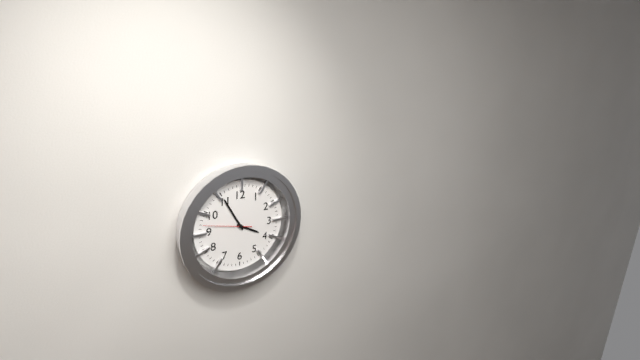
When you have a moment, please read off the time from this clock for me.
3:55
